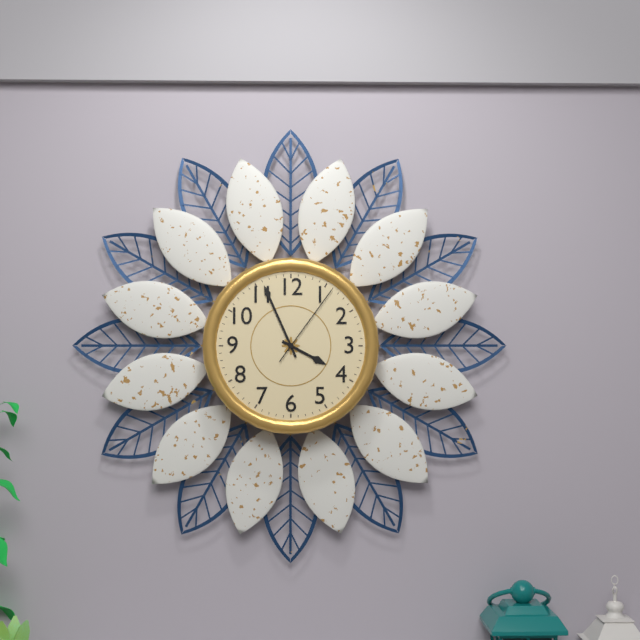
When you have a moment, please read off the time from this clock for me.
3:56:06
